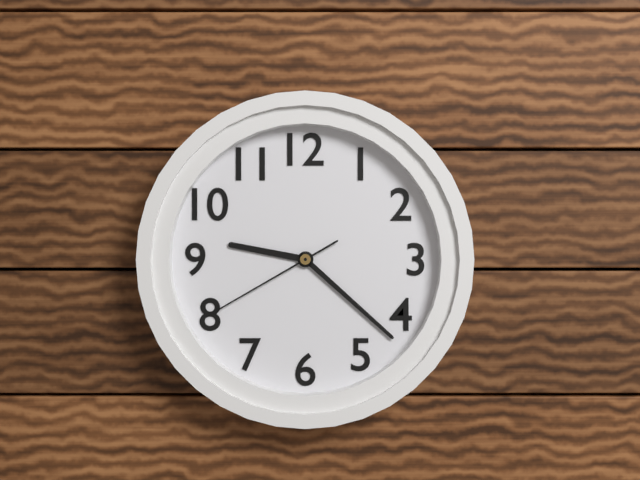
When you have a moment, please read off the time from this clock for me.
9:22:40
